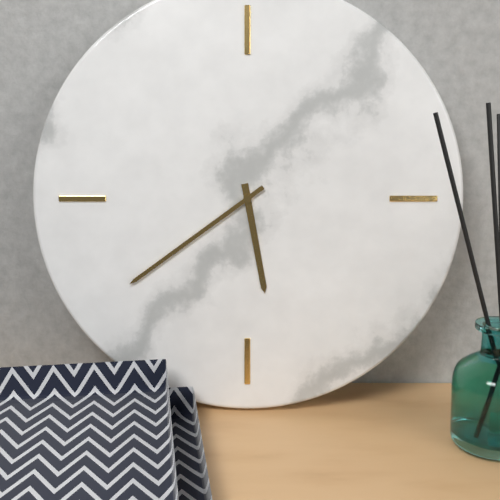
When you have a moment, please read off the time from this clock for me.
5:39
